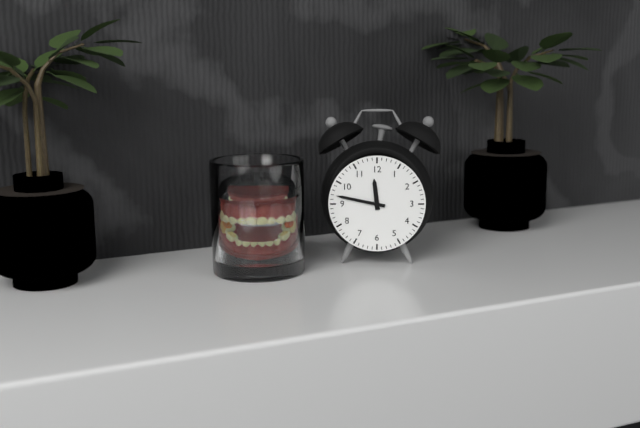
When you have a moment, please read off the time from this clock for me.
11:47
